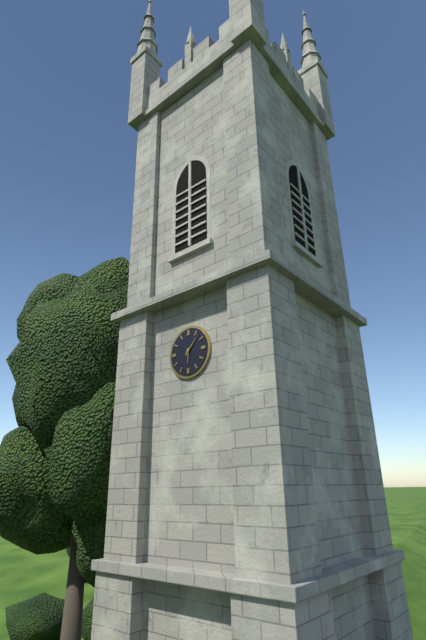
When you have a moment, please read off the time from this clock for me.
6:07
